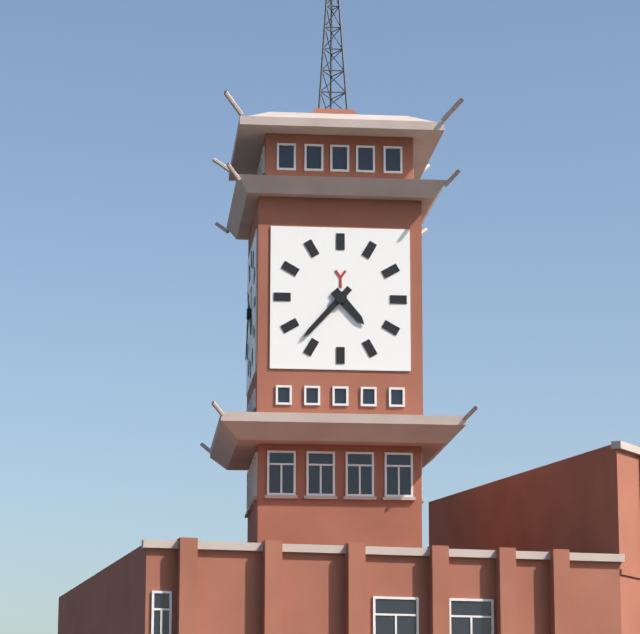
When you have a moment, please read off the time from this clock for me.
4:37
